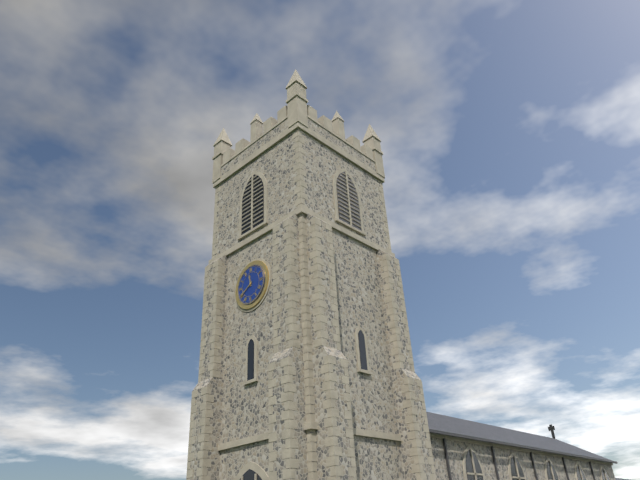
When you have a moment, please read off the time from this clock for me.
11:40
